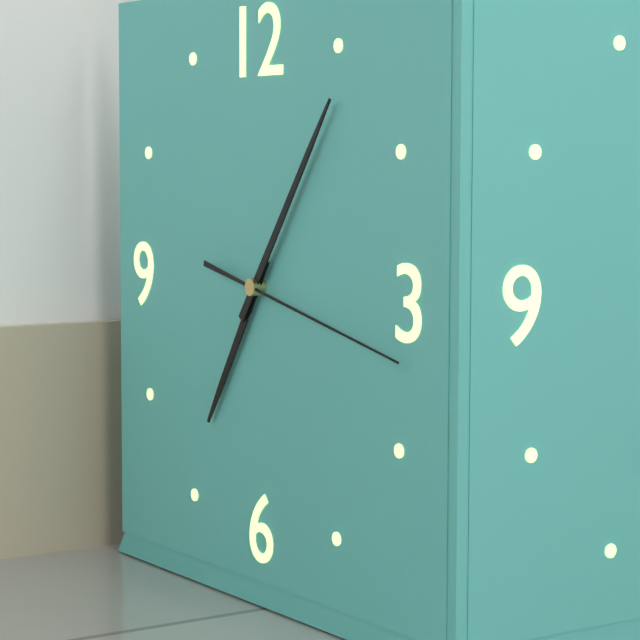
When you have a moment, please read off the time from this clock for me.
7:06:17
